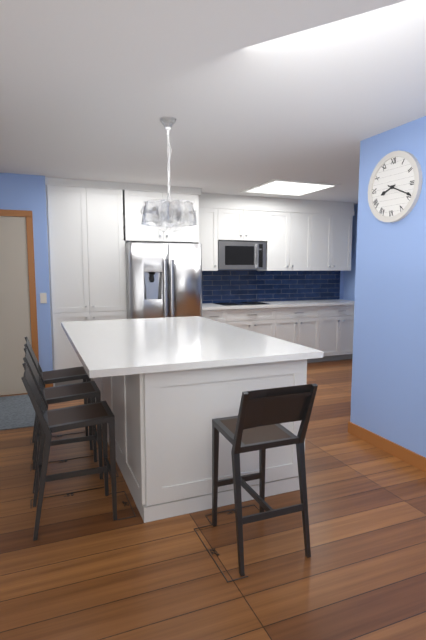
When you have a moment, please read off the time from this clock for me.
8:19
